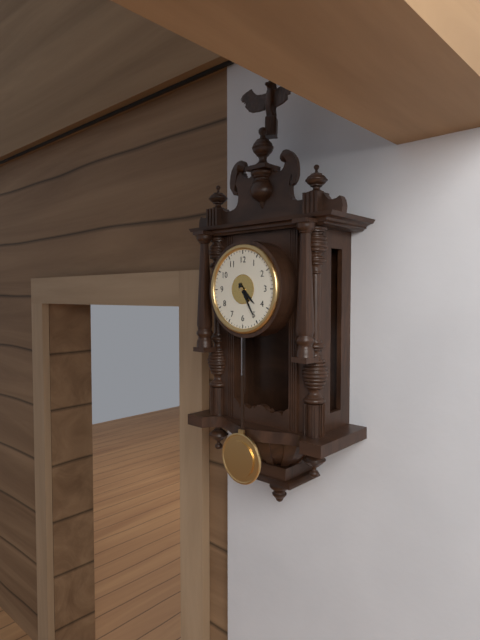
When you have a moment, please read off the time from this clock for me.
4:25
